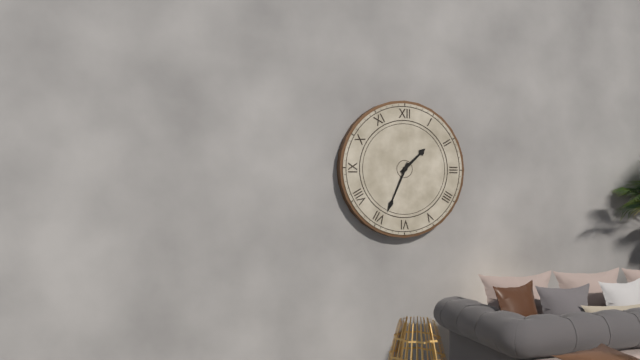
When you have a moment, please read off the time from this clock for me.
1:34
